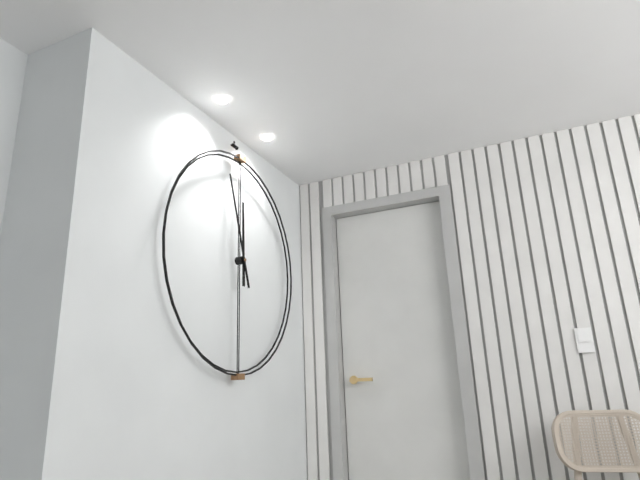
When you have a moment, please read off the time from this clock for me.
11:57
